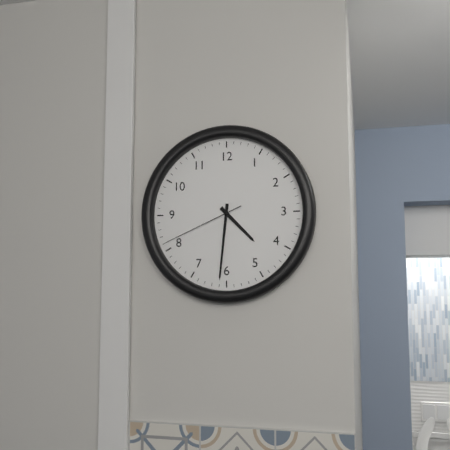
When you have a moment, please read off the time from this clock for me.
4:31:41
